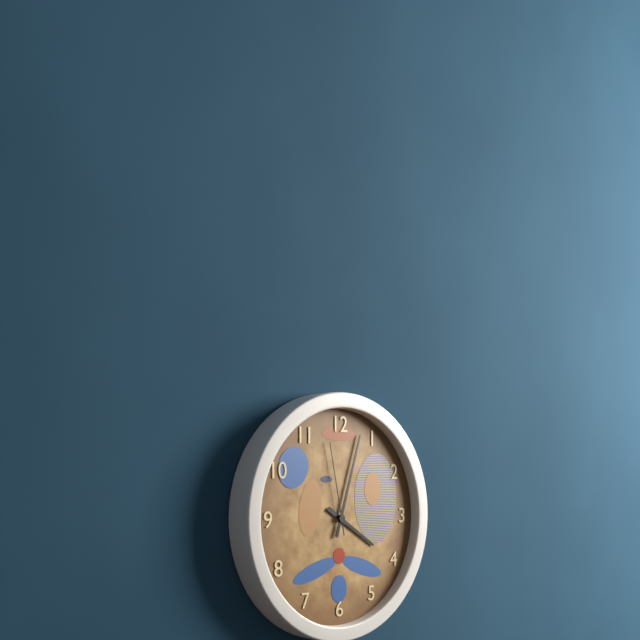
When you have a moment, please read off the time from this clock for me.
4:03:58
